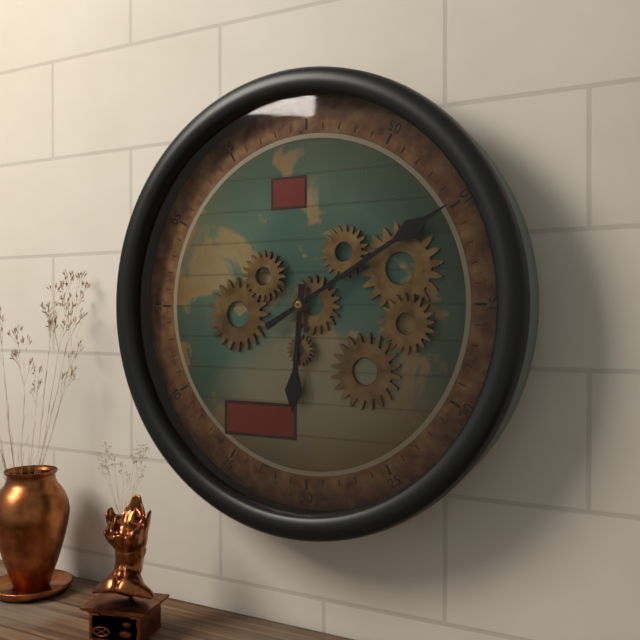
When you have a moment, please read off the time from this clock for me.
6:10
